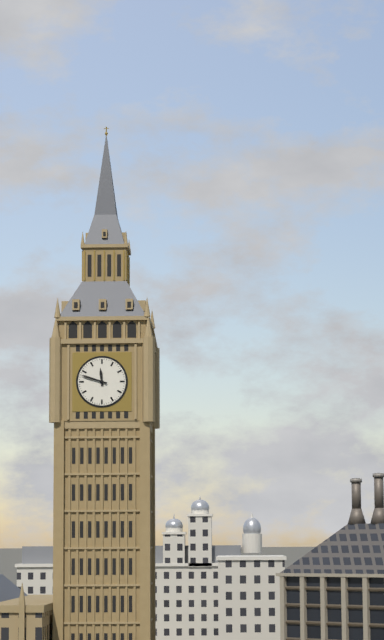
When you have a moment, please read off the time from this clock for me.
11:48
